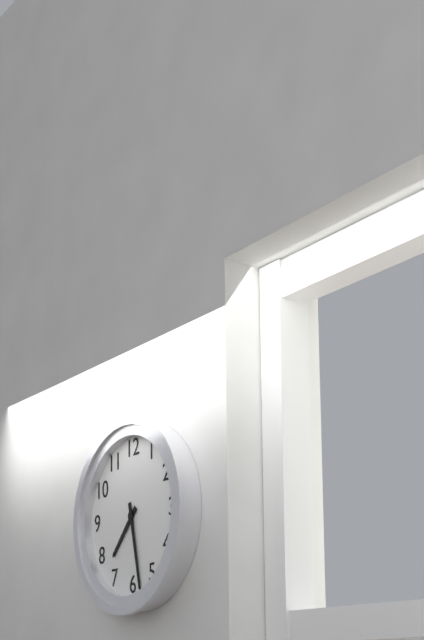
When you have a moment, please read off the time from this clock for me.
7:28
